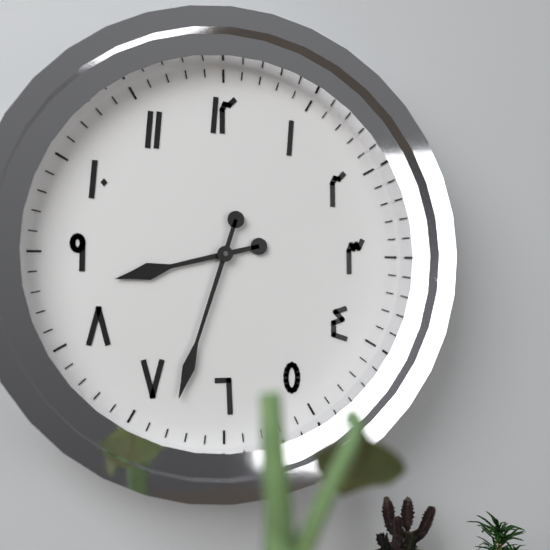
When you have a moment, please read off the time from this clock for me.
8:33
